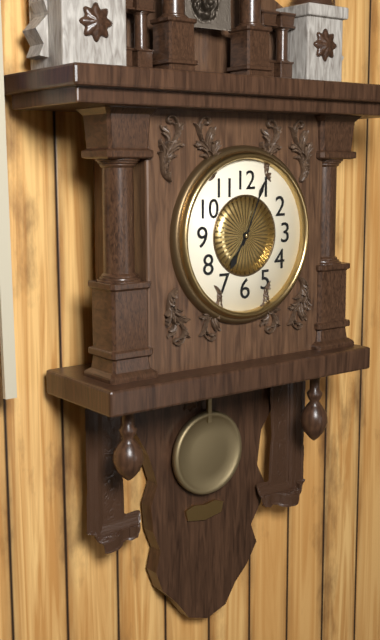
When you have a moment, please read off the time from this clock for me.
7:04
